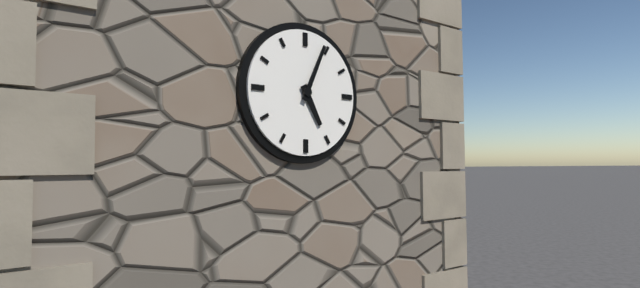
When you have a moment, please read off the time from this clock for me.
5:04
